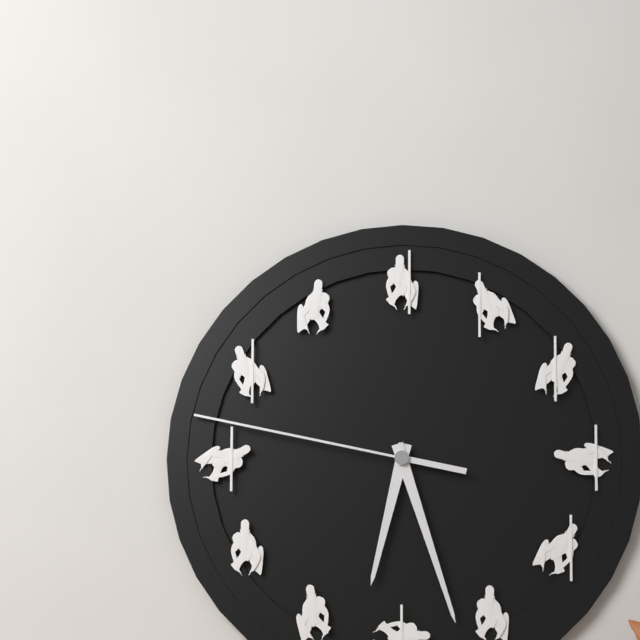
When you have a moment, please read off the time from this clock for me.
6:27:47
